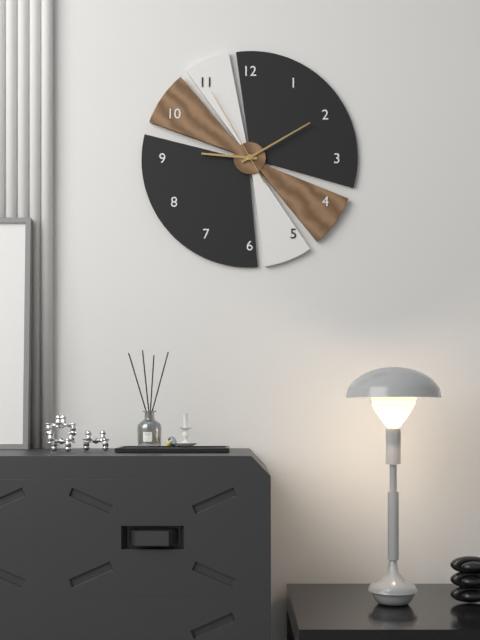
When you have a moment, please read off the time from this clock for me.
9:10:55
